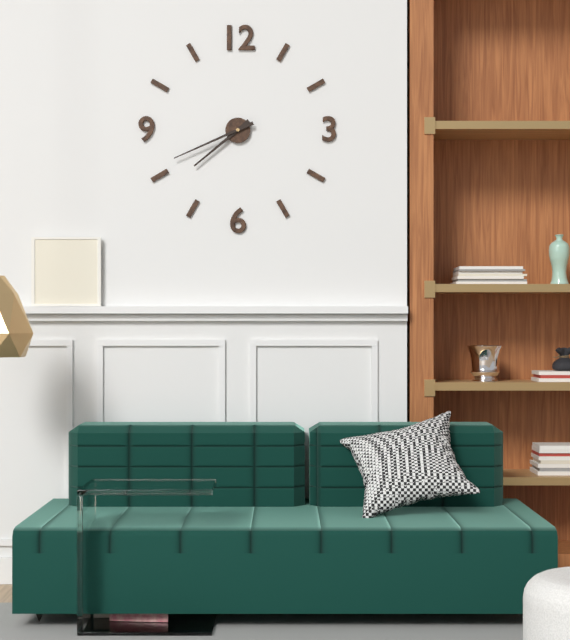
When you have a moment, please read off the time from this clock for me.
7:41
